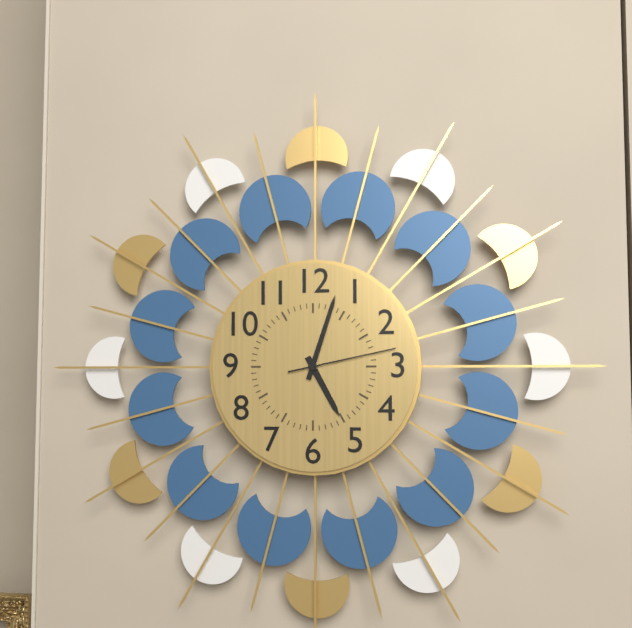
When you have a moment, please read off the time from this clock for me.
5:03:13
